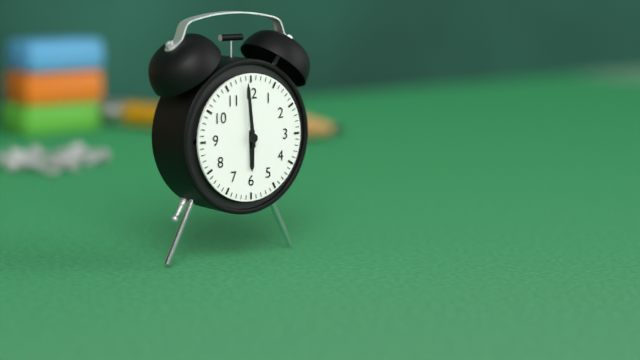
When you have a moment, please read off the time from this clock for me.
5:59
